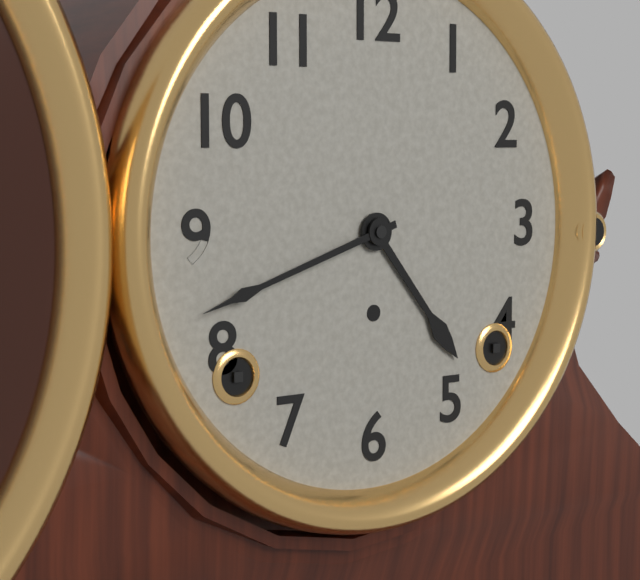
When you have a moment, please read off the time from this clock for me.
4:42
